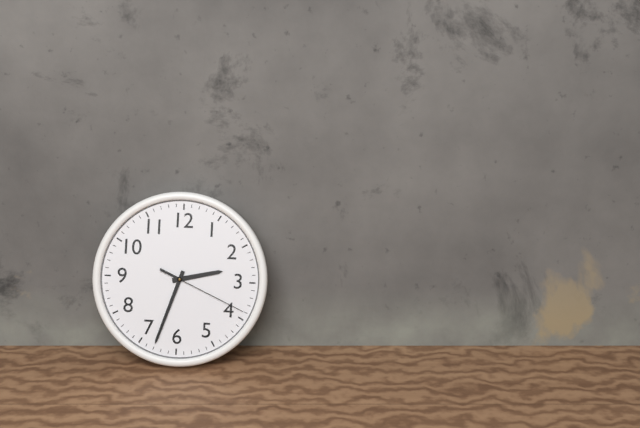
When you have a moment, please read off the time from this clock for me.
2:33:19
